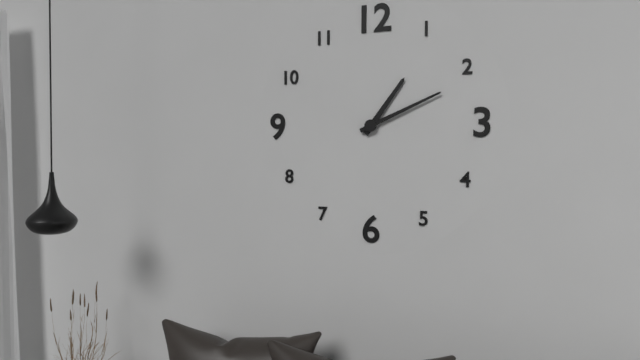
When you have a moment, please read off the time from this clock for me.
1:11
